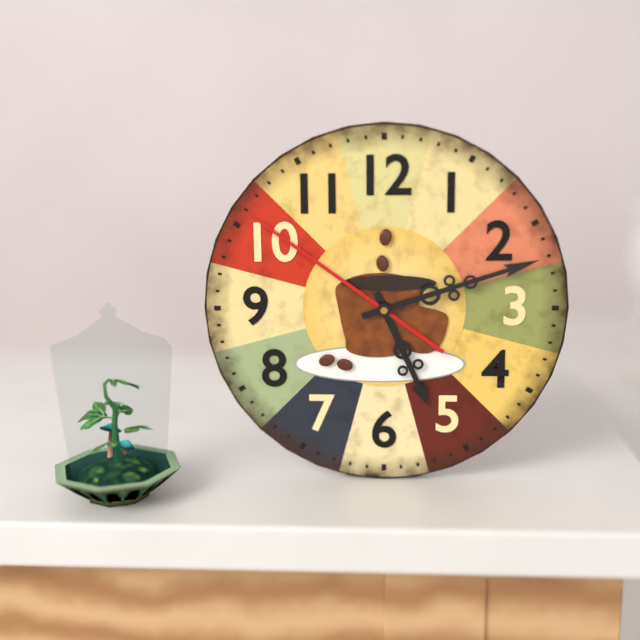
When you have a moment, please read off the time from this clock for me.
5:12:51
